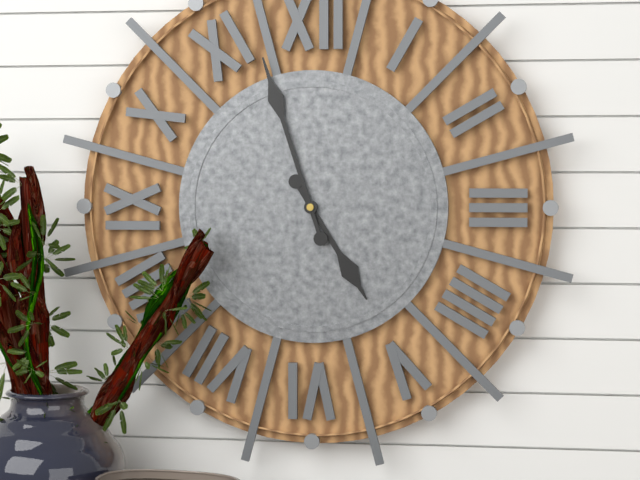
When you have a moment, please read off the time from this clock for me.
4:57
